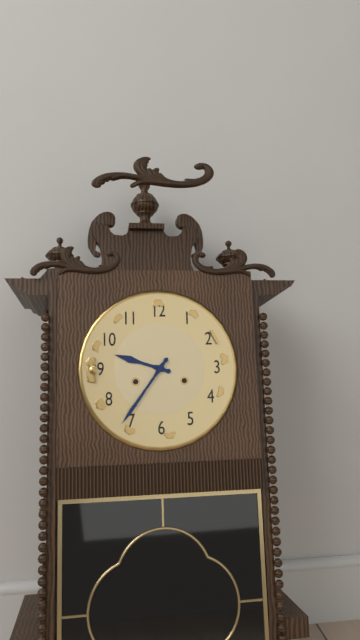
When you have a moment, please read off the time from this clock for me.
9:36
